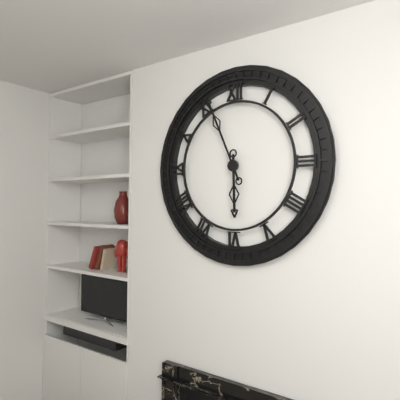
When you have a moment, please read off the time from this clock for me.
5:56
